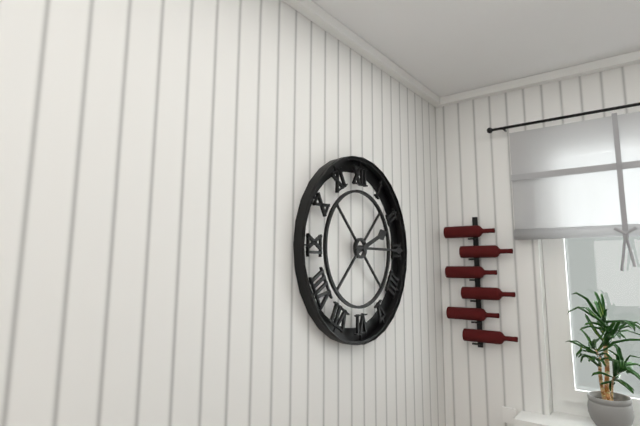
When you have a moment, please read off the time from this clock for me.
2:15
